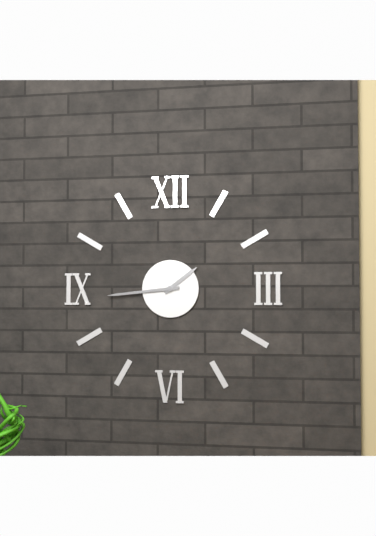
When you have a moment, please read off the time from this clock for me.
1:44
